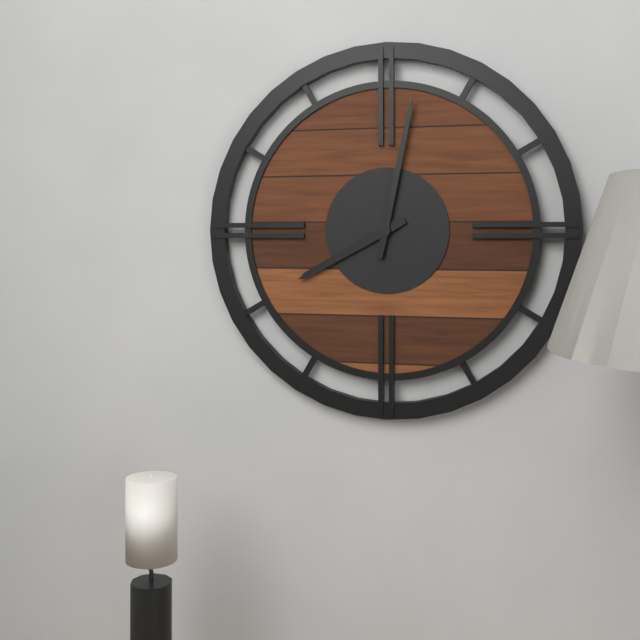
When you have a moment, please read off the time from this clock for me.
8:02
